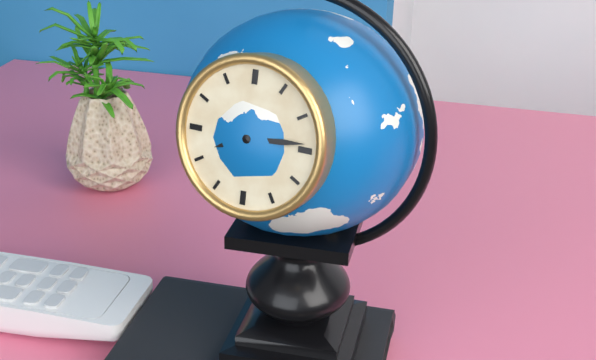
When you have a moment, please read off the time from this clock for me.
8:14
